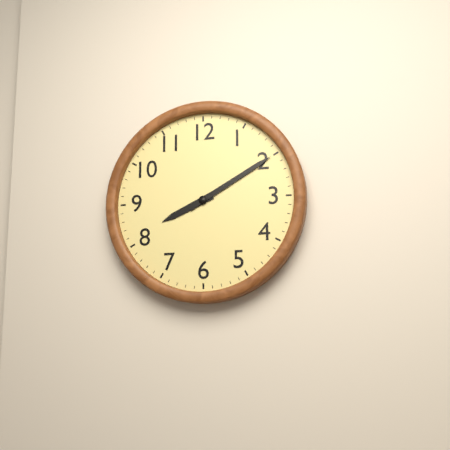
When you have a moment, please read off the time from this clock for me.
8:10
